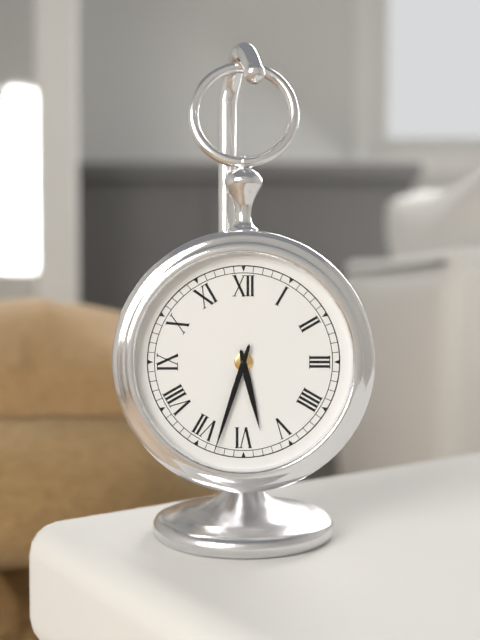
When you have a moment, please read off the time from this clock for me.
5:33
